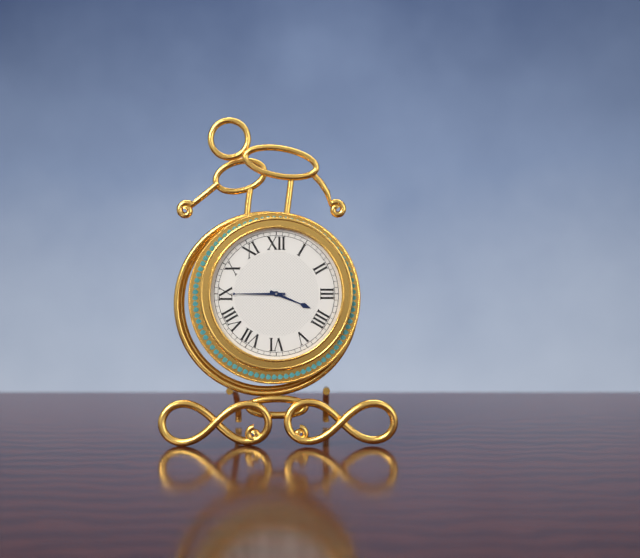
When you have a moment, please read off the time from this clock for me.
3:45
